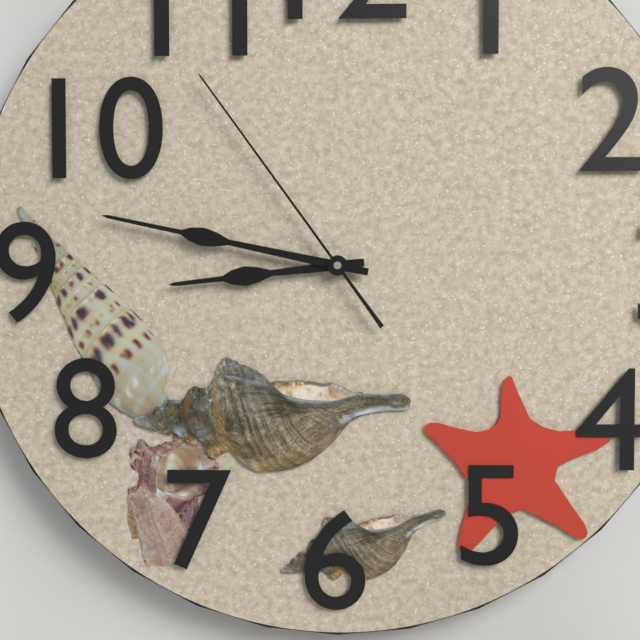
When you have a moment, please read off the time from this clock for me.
8:47:54
